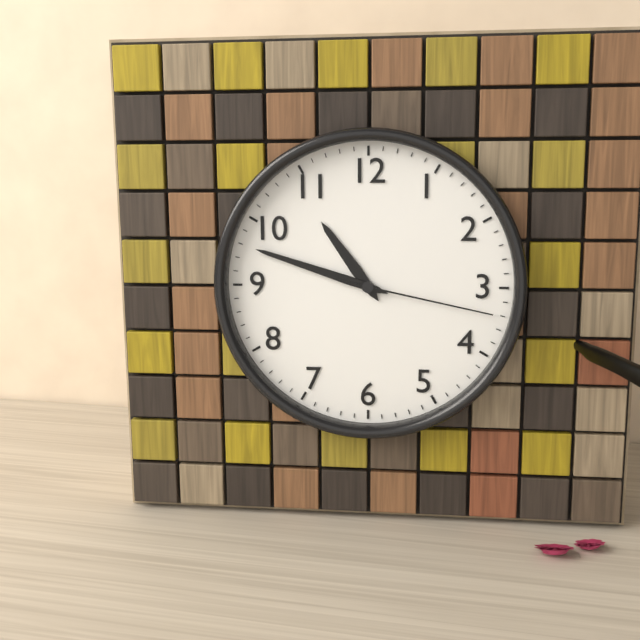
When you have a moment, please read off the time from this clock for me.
10:48:17
